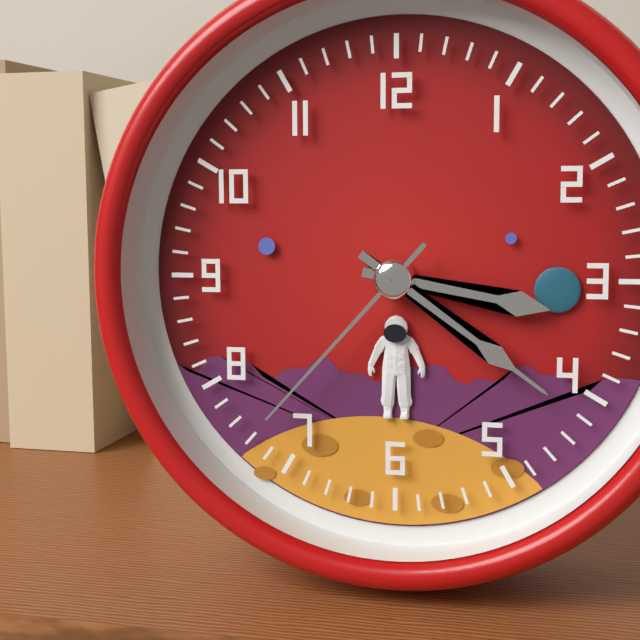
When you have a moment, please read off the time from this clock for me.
3:21:37
